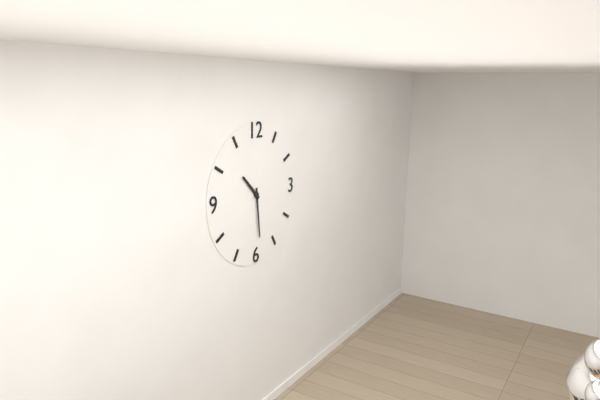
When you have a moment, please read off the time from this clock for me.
10:29
